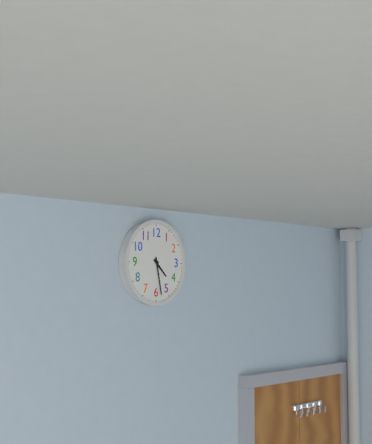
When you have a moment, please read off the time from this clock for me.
4:28
